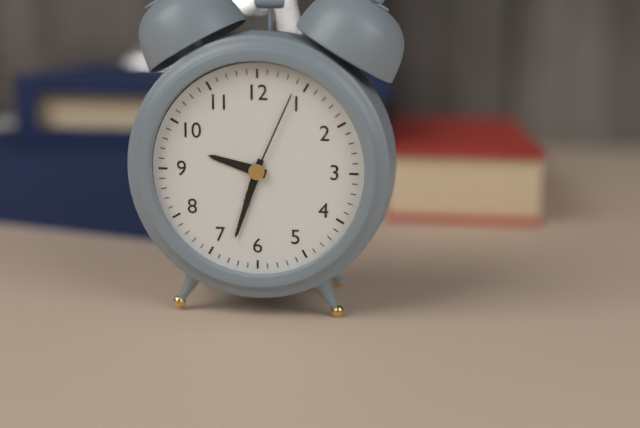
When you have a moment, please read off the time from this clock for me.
9:33:04
